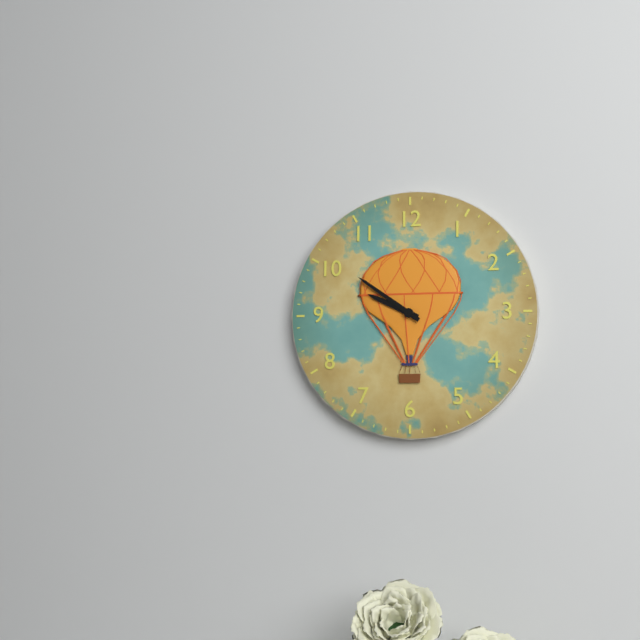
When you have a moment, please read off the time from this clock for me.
9:51
